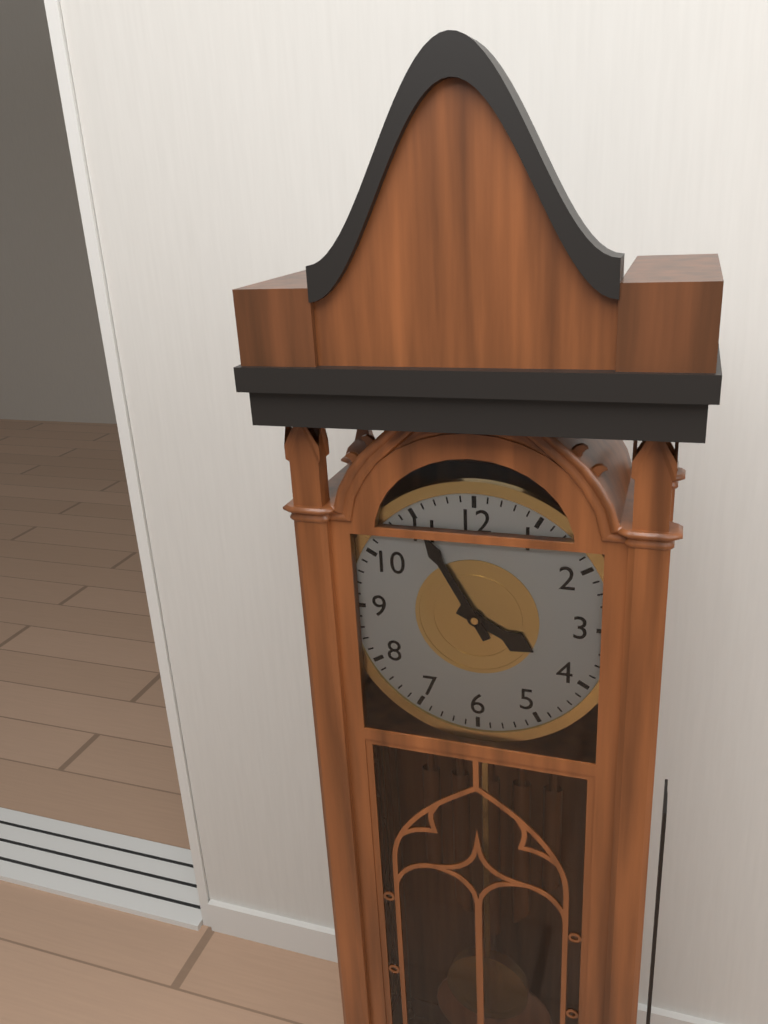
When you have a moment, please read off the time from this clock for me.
3:55
